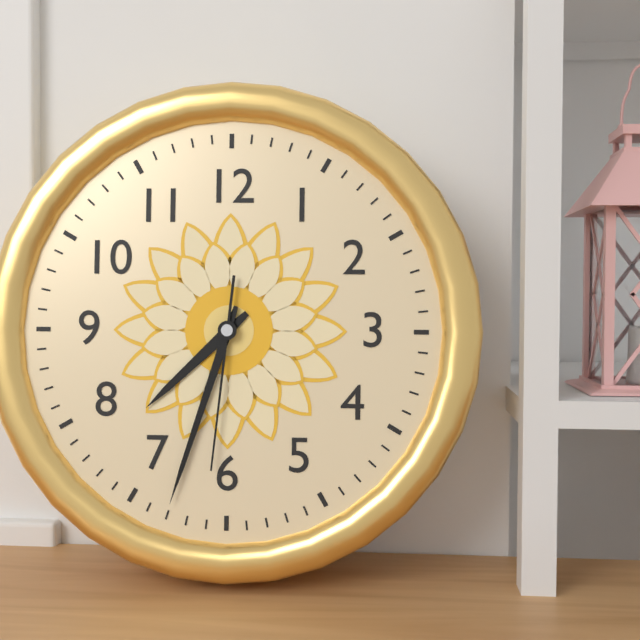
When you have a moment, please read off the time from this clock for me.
7:33:31
